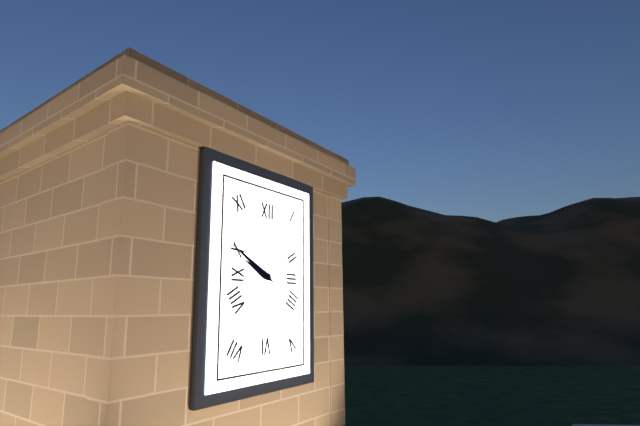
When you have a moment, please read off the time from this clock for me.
9:50
